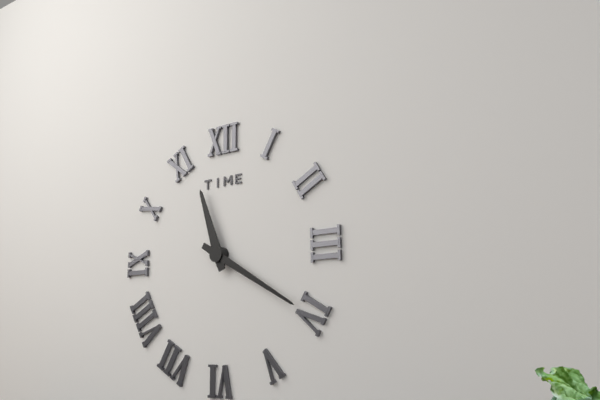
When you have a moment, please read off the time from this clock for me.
11:20
